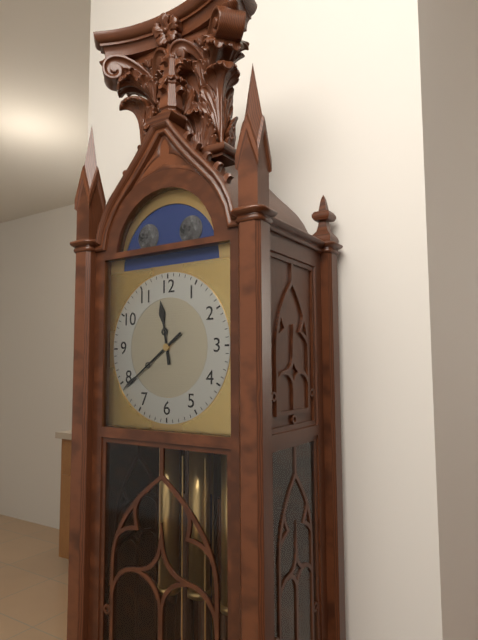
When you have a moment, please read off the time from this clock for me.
11:39
